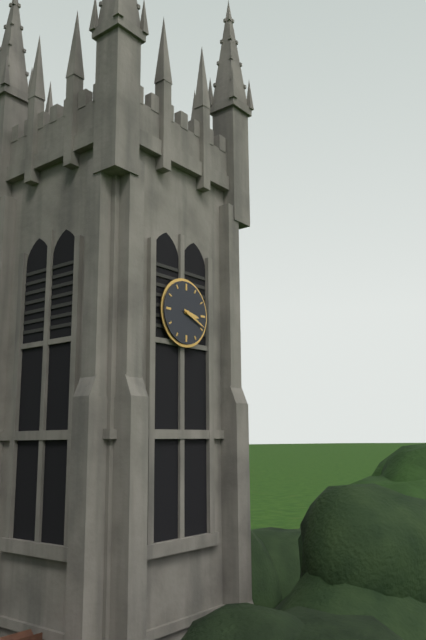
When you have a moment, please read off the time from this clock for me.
3:19
